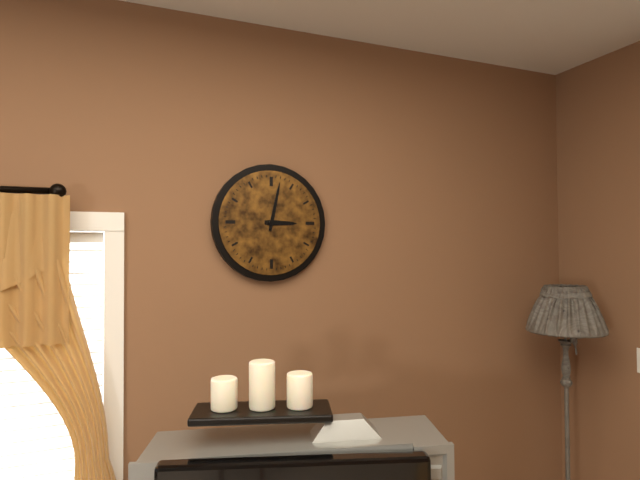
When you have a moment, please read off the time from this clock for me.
3:02
